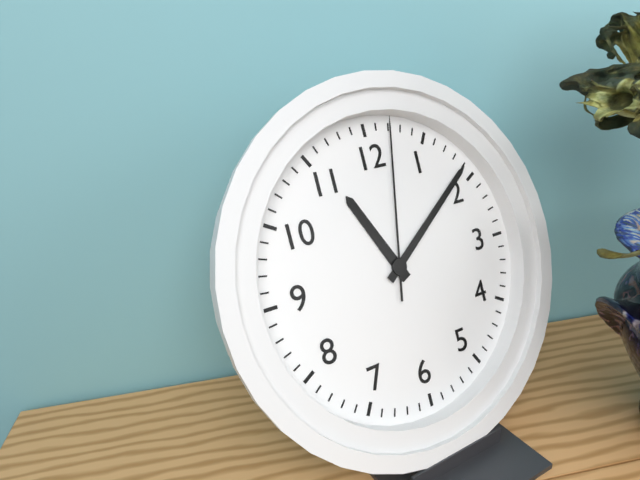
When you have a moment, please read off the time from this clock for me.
11:09:02
